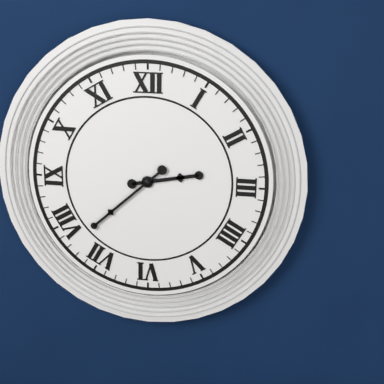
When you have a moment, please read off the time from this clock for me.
2:38
